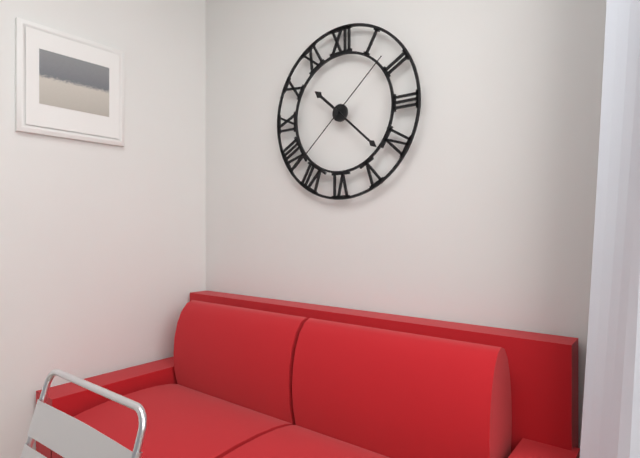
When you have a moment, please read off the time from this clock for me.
10:22:38
